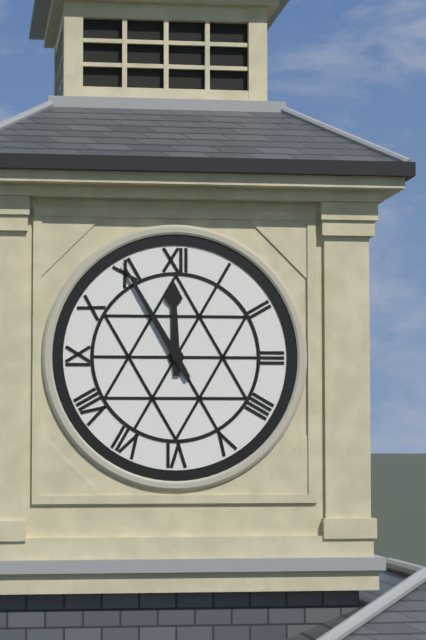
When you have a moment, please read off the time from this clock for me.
11:55
